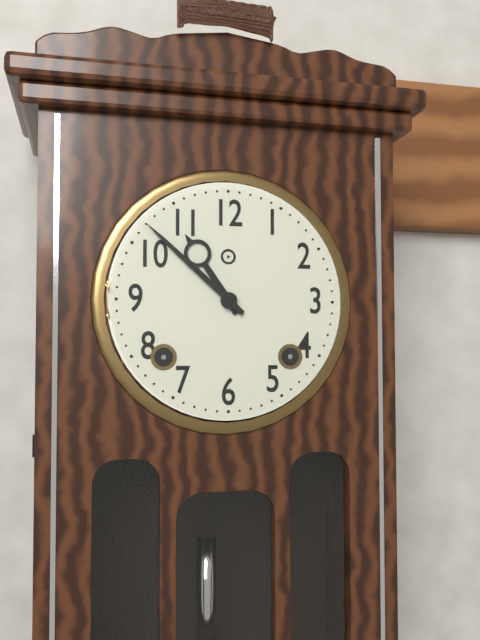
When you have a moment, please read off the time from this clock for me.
10:52
